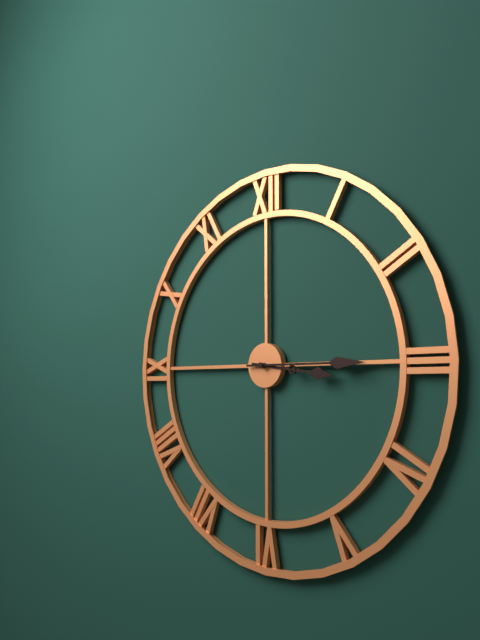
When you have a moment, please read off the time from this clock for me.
3:15
